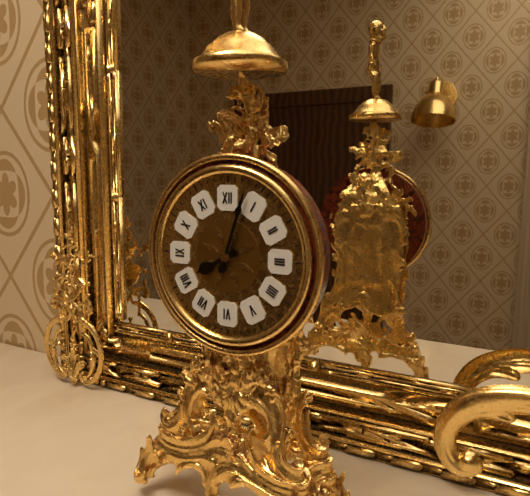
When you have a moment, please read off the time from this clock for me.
8:03
